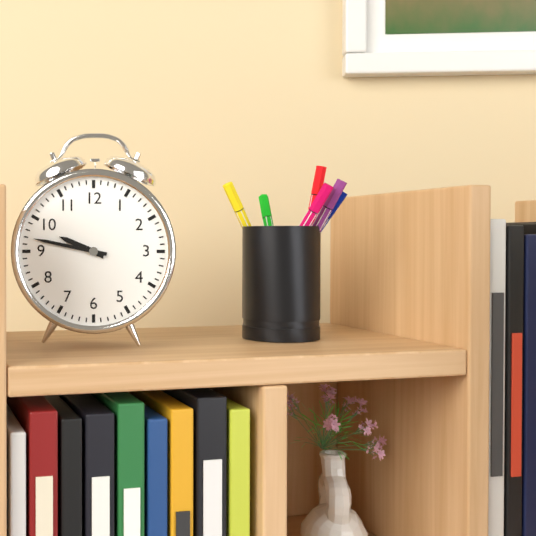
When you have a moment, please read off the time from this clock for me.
9:47
